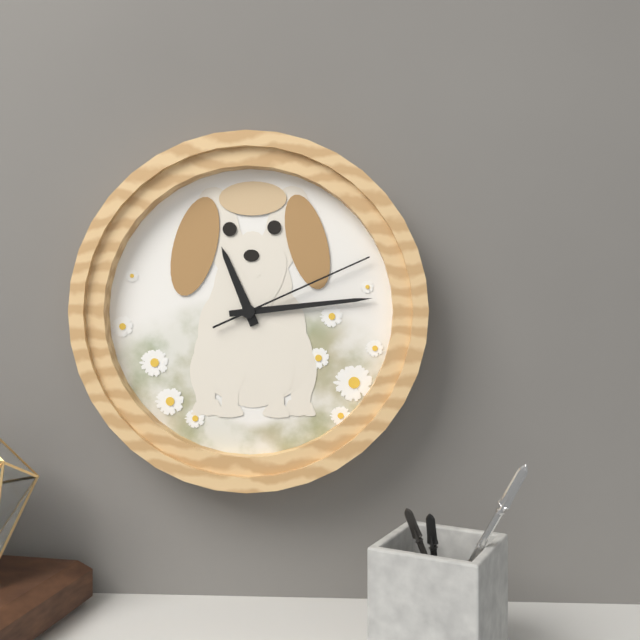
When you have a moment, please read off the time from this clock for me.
11:14:11
